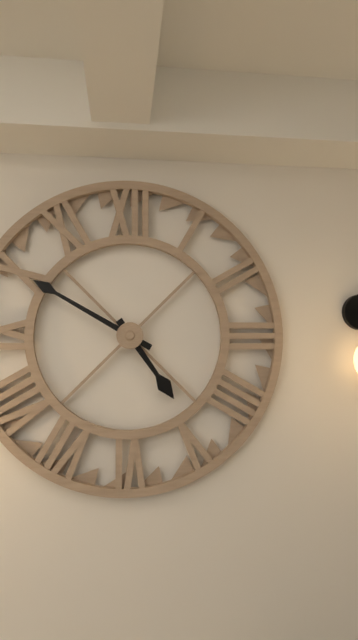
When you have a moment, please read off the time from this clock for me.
4:50
